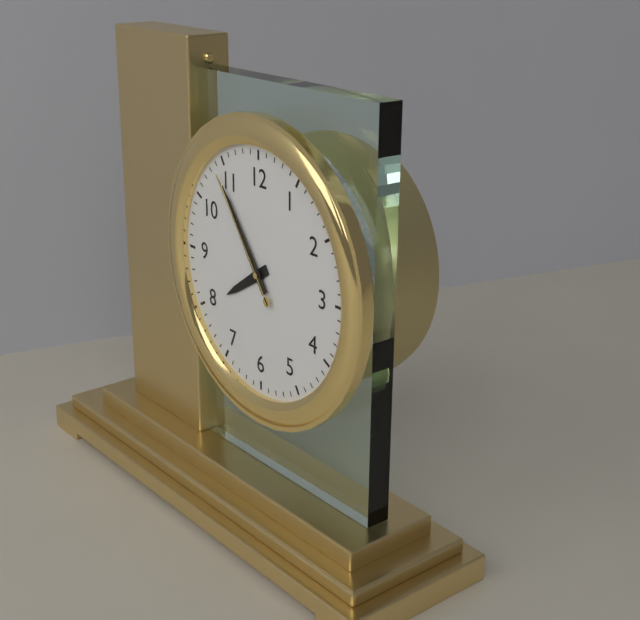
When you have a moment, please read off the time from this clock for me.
7:54:54
